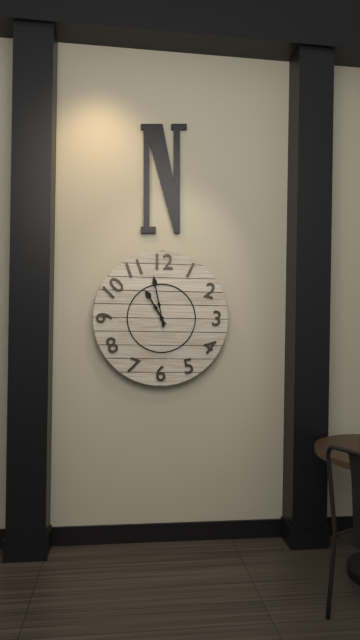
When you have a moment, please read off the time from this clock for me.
10:58
